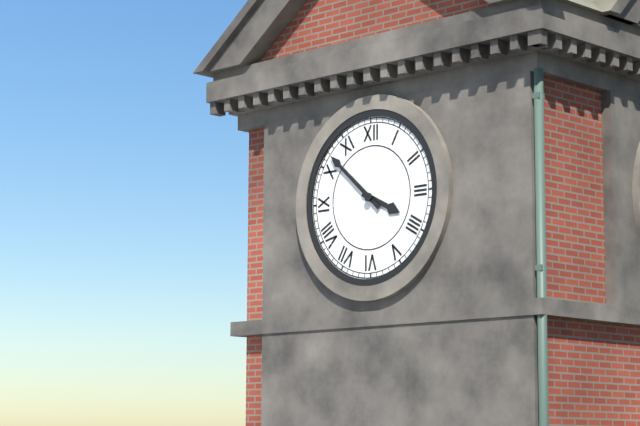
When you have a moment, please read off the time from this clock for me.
3:52
